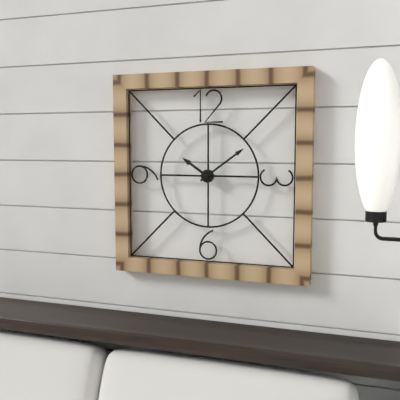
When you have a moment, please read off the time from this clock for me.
10:09
